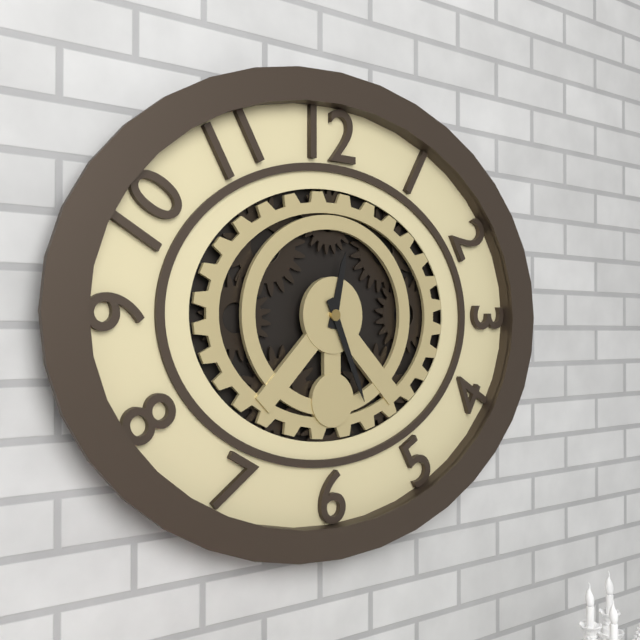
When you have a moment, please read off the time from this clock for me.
12:26
